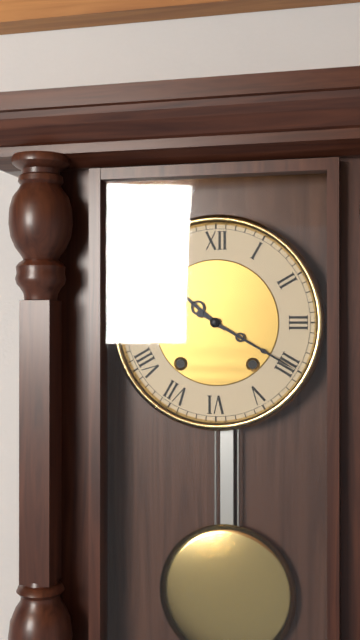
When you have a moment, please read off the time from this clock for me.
10:20
